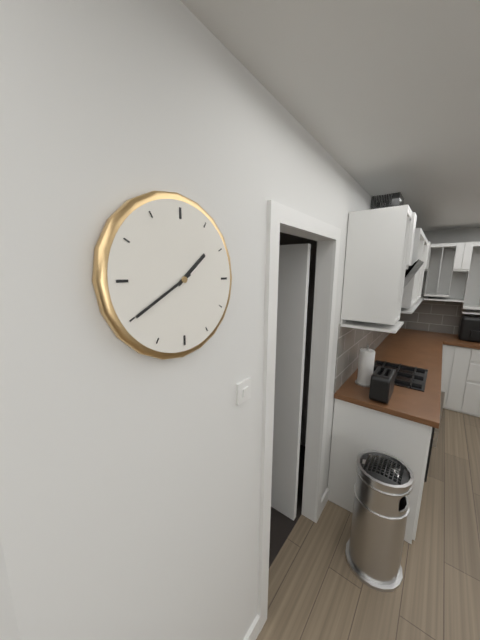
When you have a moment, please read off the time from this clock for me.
1:40
